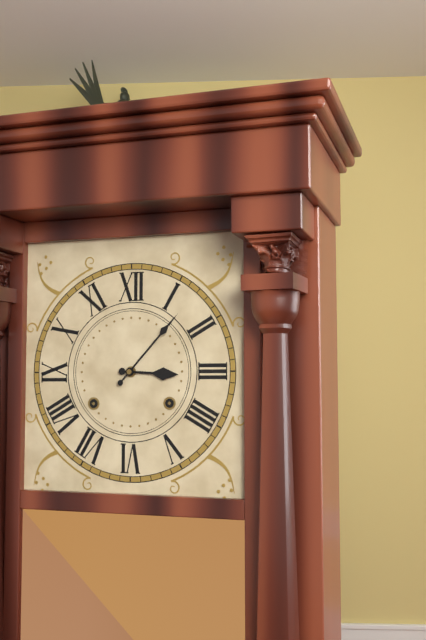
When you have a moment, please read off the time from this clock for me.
3:07
